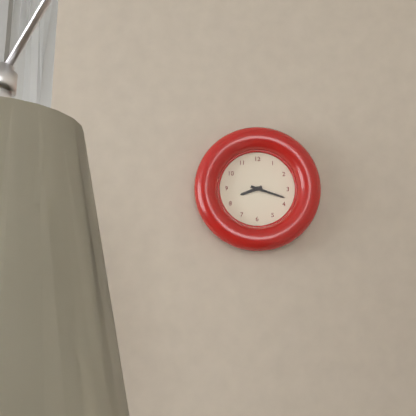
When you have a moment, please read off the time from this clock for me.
8:18
